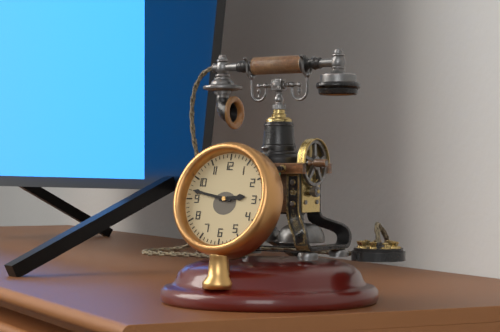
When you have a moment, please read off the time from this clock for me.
2:47
